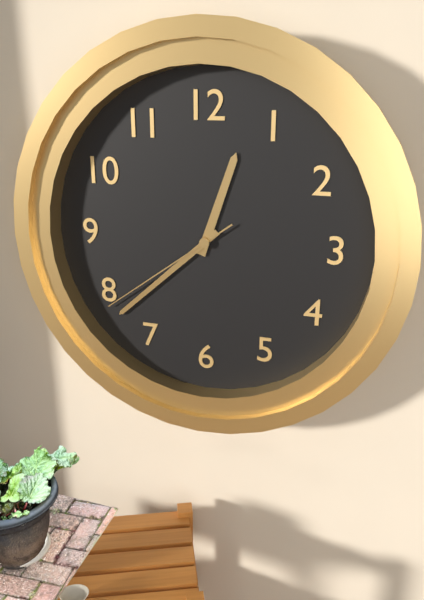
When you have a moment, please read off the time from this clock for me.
12:38:39
